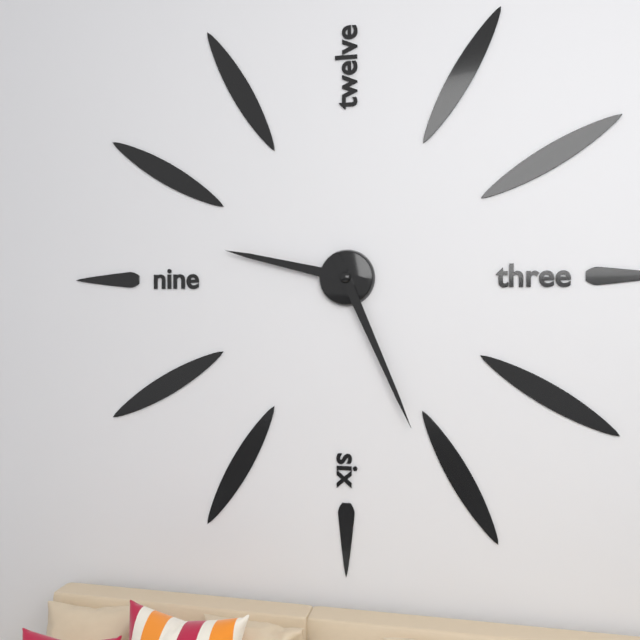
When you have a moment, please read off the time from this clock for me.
9:26
